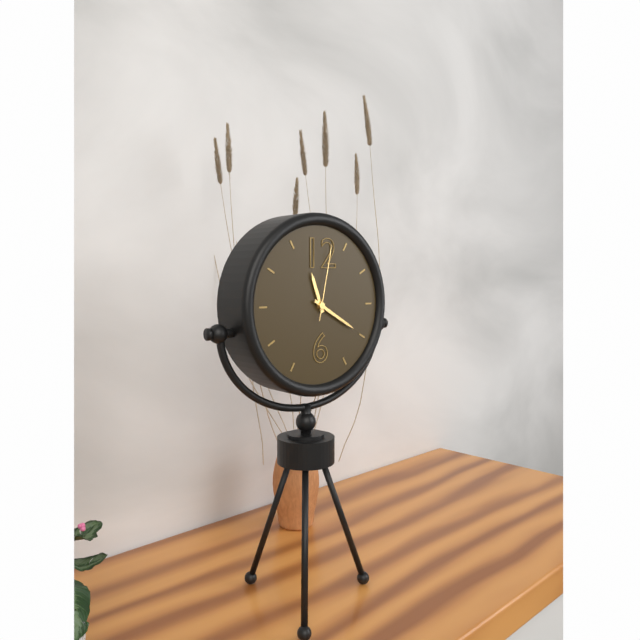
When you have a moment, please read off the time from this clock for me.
11:20:02
